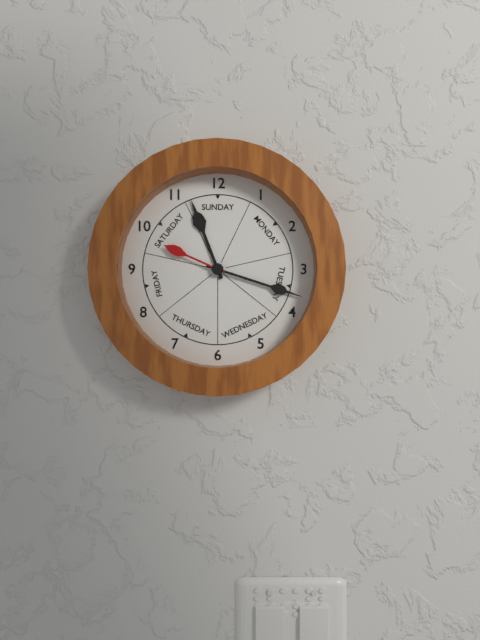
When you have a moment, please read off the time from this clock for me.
11:18:49
